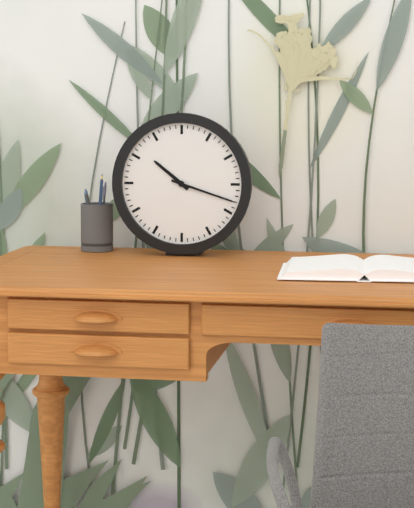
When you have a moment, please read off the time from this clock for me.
10:18
